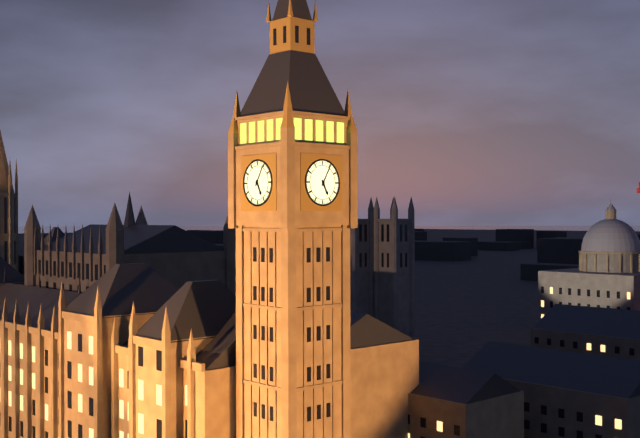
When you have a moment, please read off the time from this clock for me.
5:05
